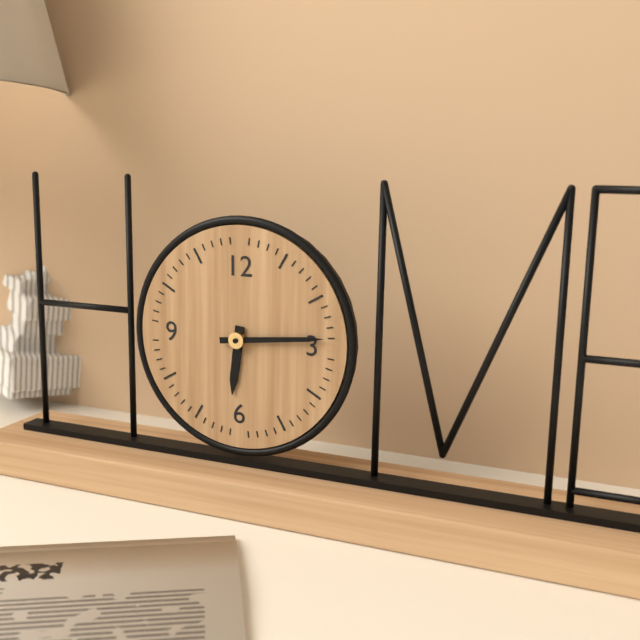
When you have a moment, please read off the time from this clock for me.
6:14
